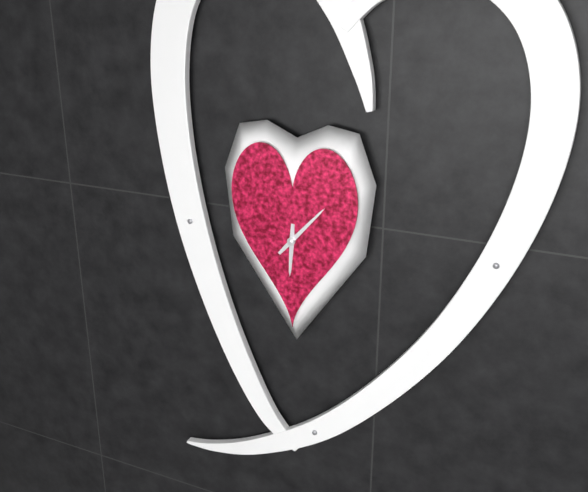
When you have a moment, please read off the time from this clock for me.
6:07
